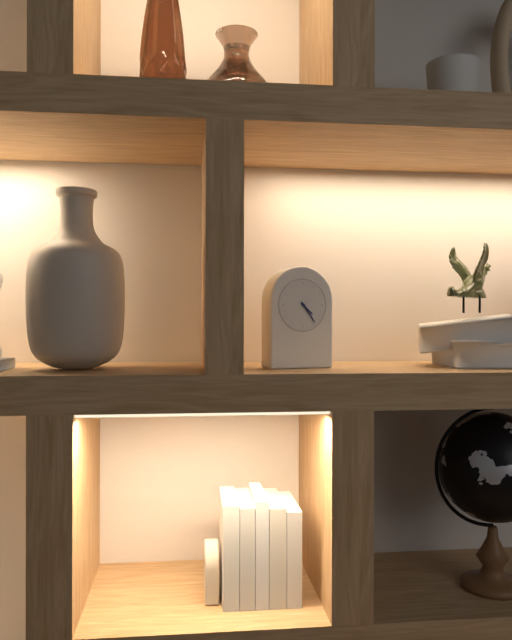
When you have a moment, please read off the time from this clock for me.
4:24
